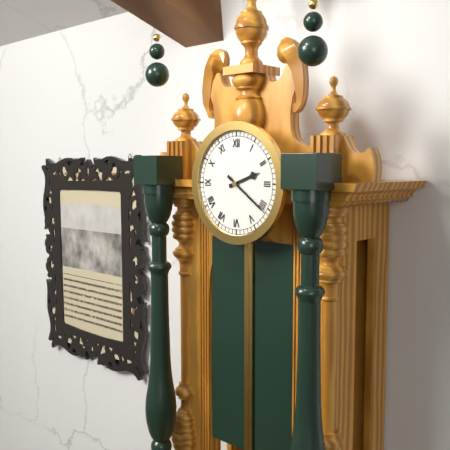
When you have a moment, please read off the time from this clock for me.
2:21
